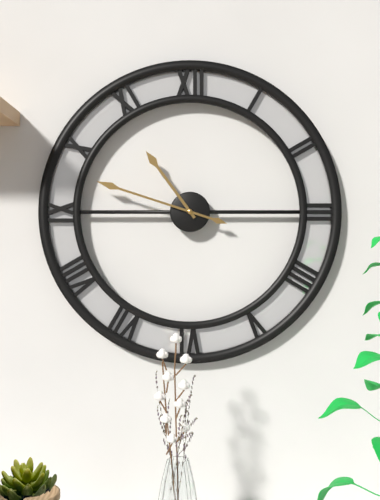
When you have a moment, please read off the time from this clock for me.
10:48
